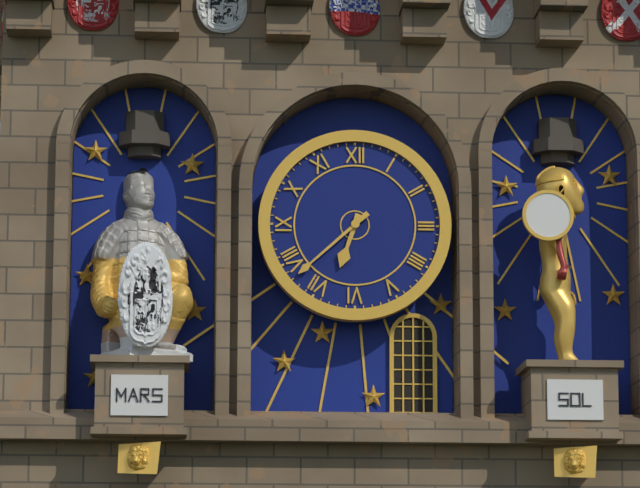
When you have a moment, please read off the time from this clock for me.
6:38
